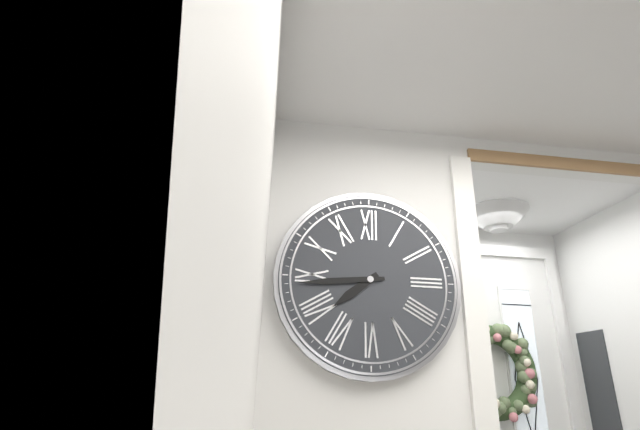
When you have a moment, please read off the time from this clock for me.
7:44
